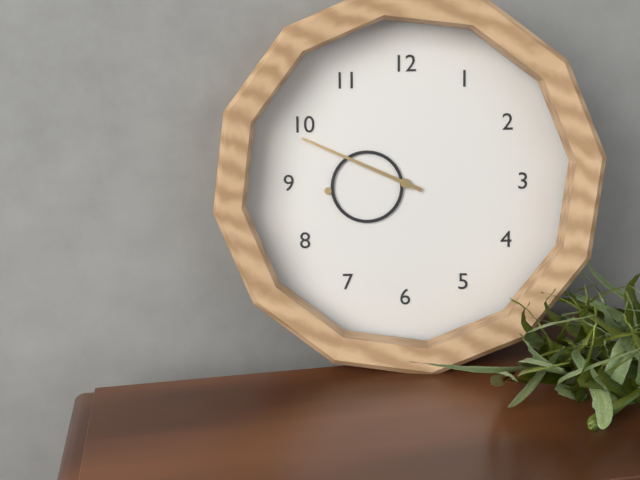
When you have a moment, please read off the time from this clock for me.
8:49
